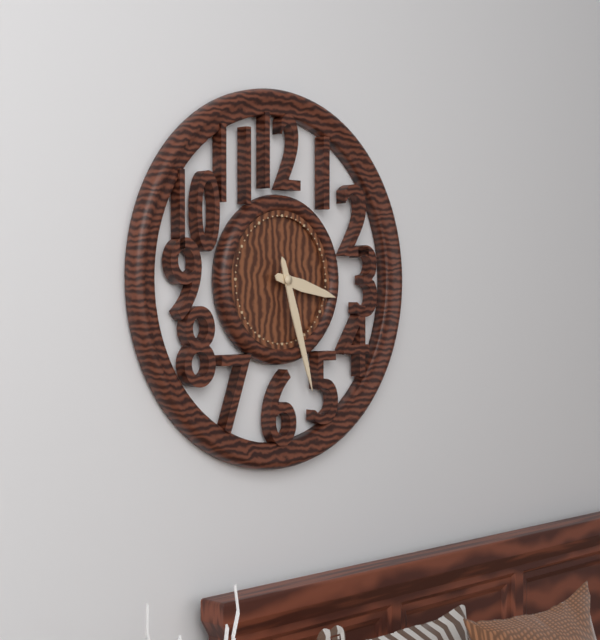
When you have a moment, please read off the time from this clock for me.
3:27
